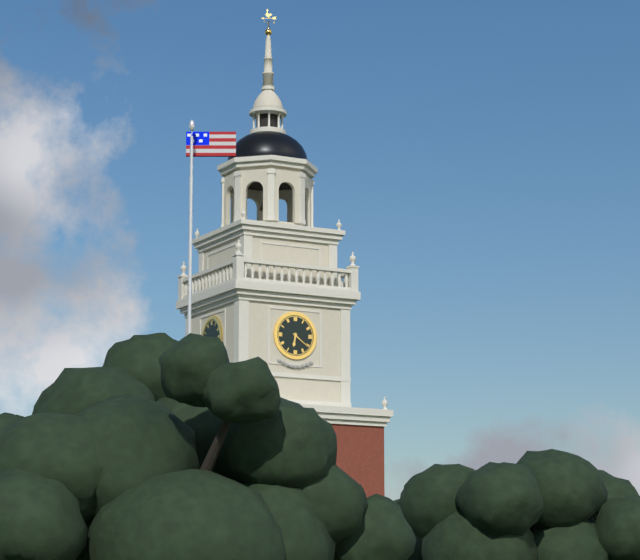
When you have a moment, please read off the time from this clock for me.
6:21
